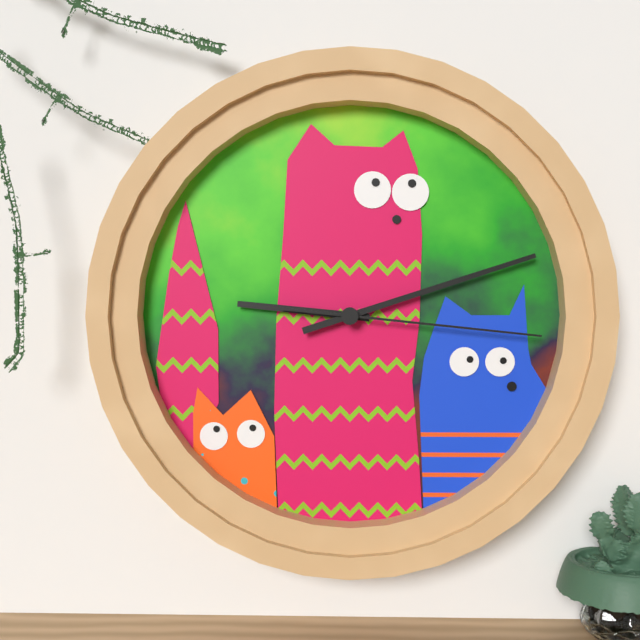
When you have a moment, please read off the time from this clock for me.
9:12:16
